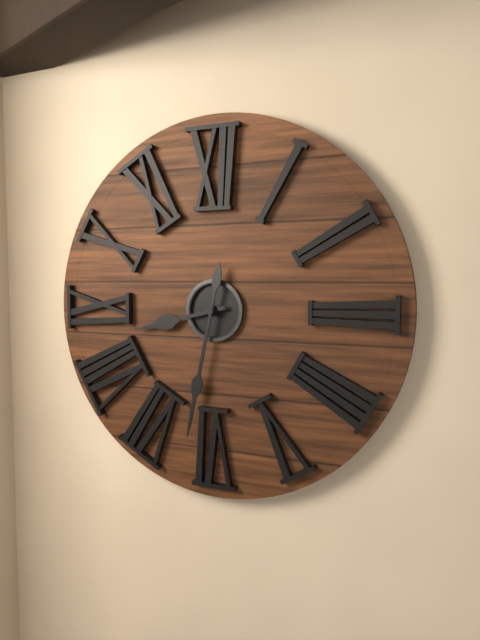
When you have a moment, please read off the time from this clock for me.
8:32
